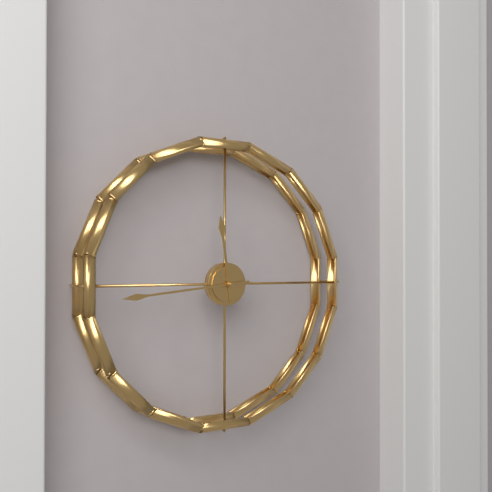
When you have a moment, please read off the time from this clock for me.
11:44
